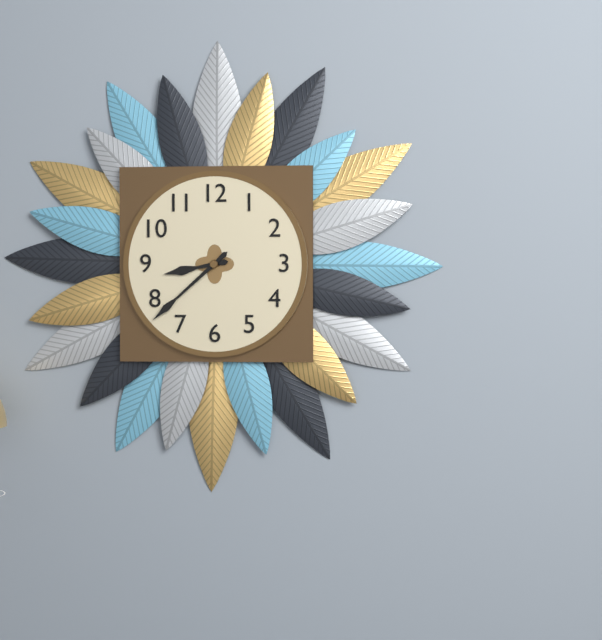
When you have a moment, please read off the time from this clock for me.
8:38
